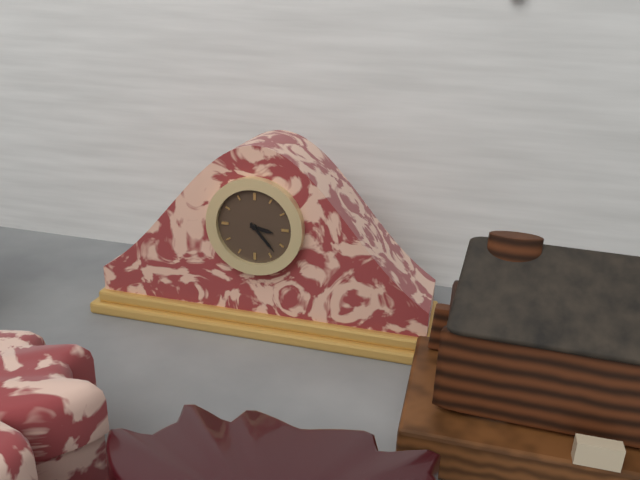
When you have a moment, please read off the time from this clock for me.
3:23
